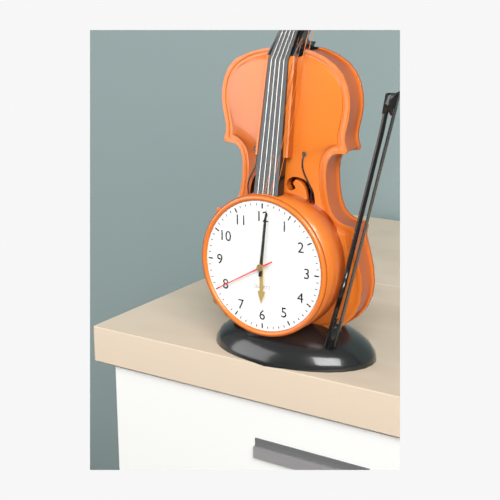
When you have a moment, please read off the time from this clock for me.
6:01:40
